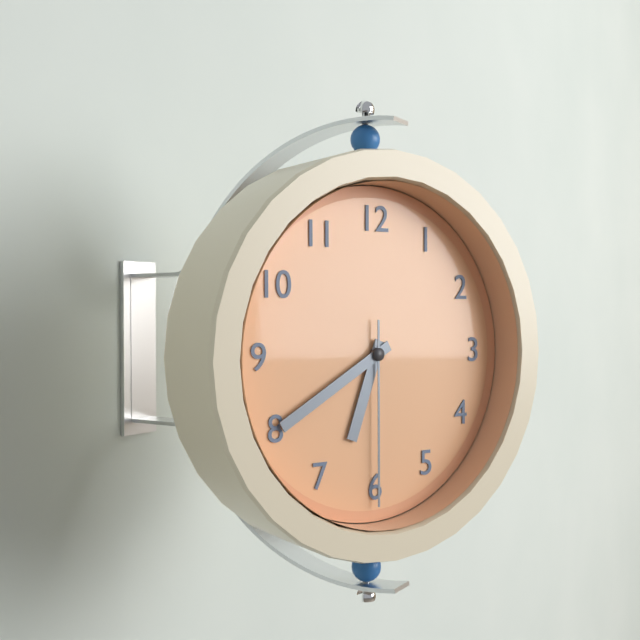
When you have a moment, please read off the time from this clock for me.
6:40:30
